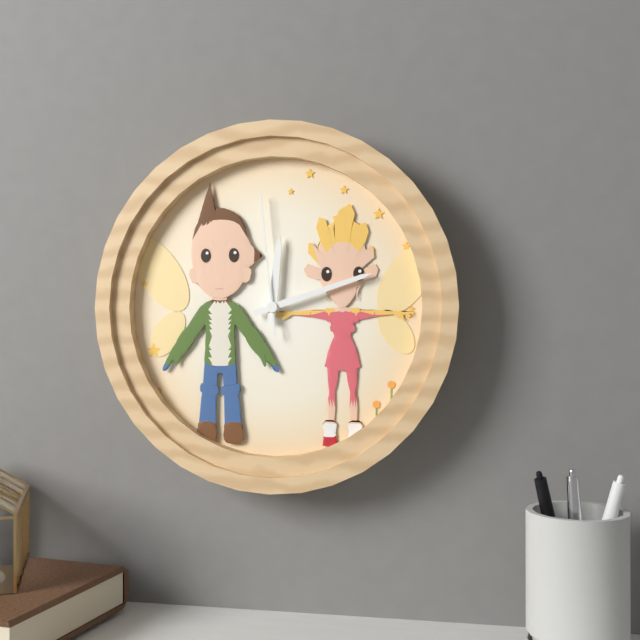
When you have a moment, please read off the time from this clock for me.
12:12:59
